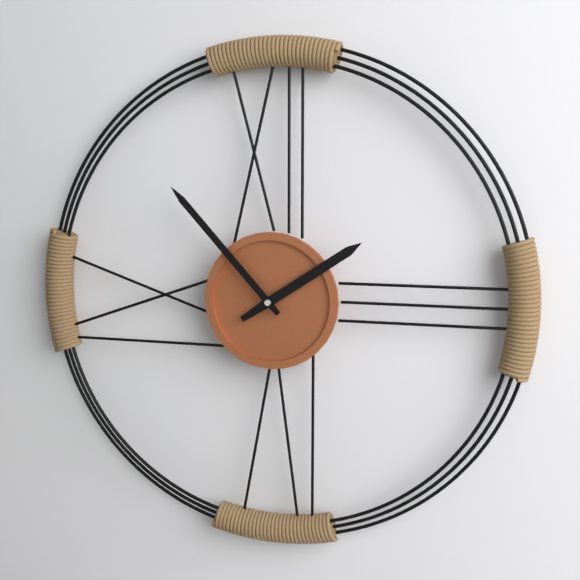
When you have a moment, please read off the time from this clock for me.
1:53
